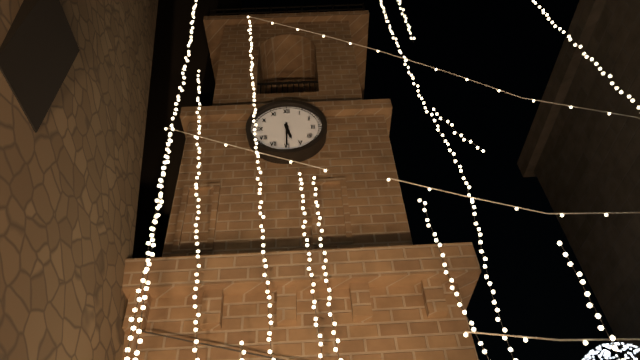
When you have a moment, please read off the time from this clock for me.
5:30
